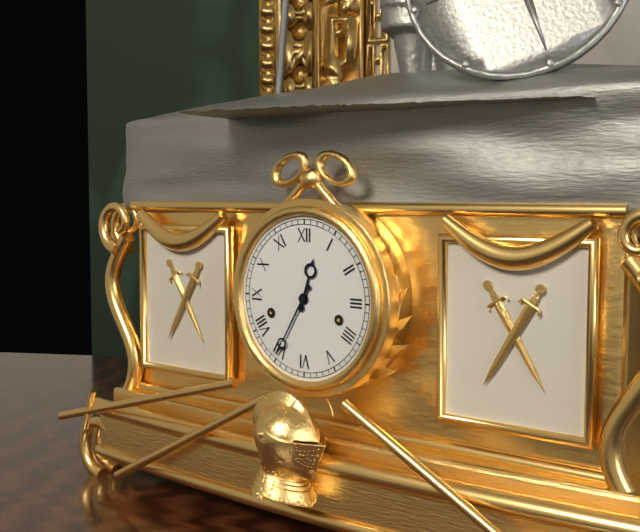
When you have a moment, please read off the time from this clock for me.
12:35
